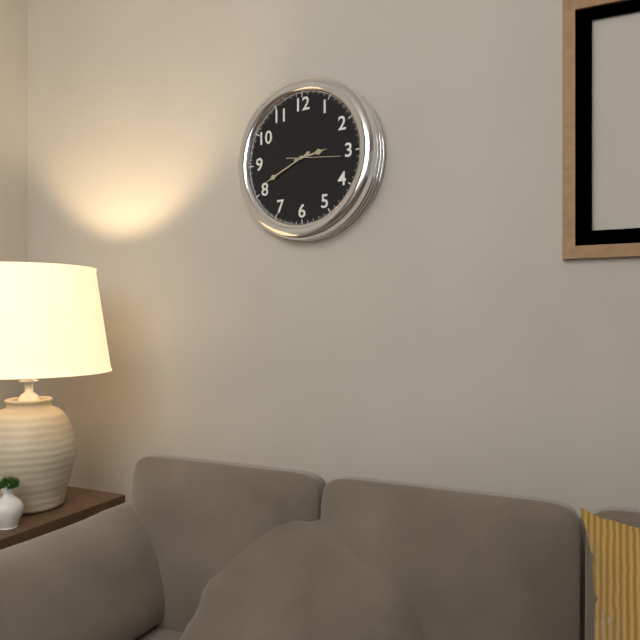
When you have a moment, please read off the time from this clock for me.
2:41
